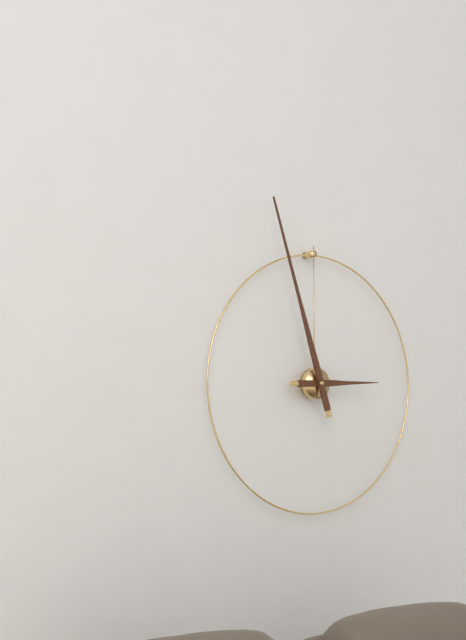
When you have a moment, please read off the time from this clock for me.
2:57
